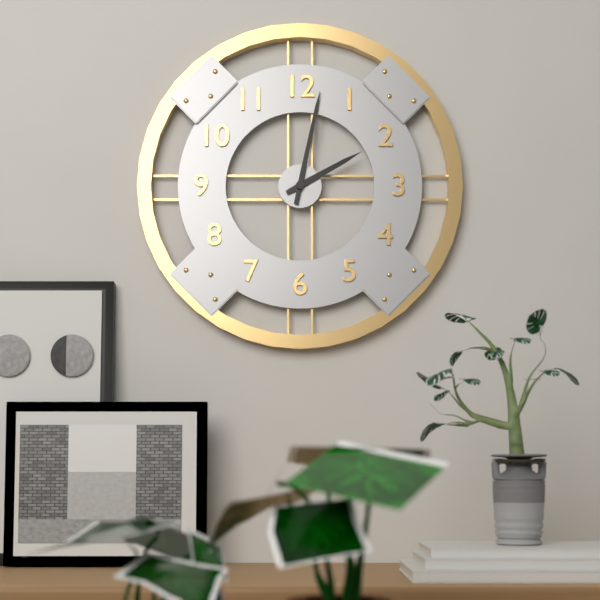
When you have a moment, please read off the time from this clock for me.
2:02
